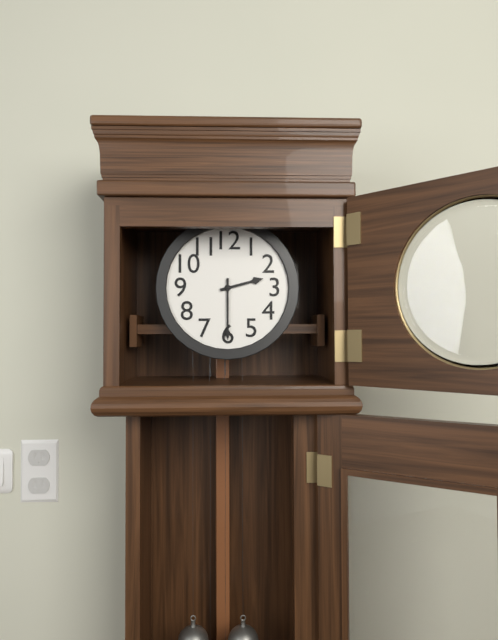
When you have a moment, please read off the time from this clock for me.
2:30
